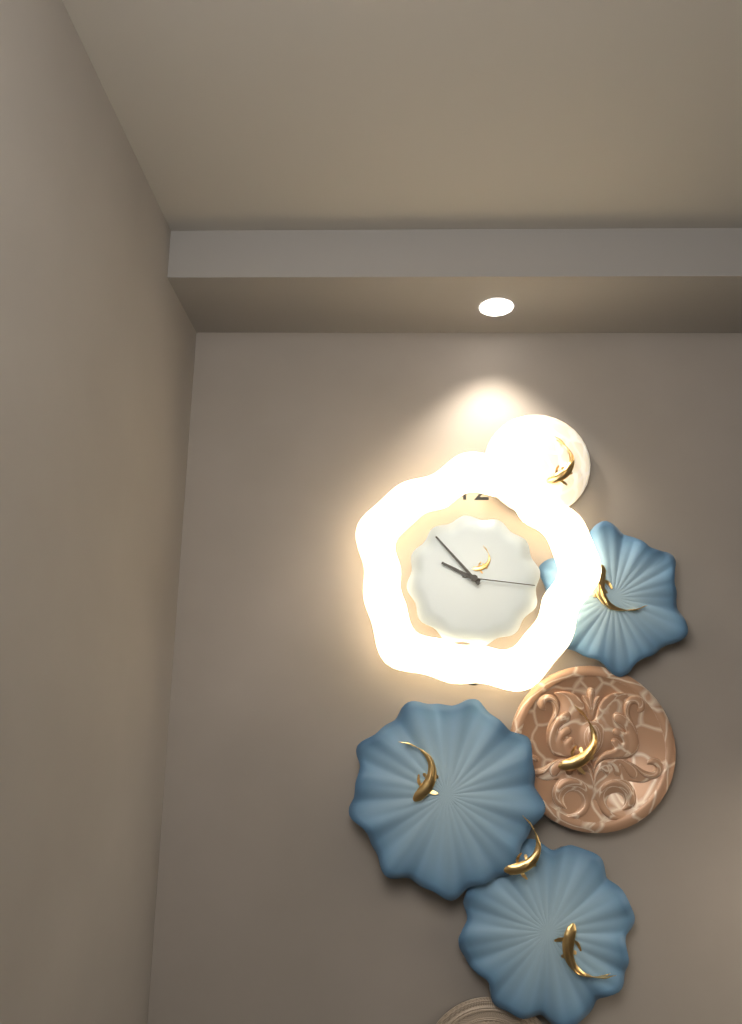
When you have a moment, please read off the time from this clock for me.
9:53:16
